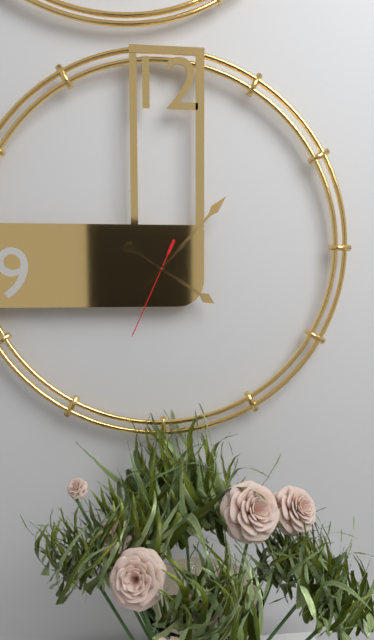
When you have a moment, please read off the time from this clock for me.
4:07:34
